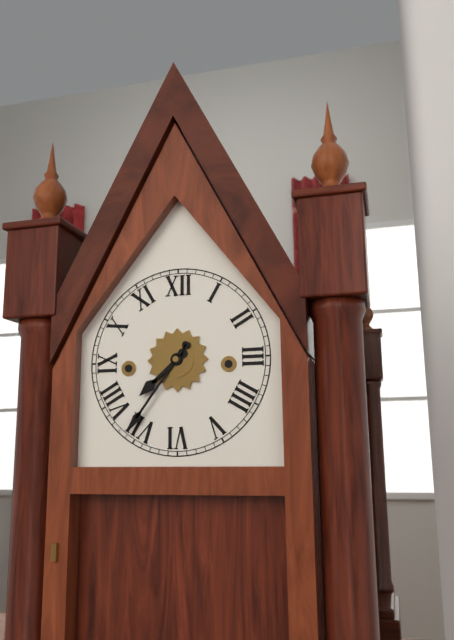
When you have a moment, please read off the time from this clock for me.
7:36
